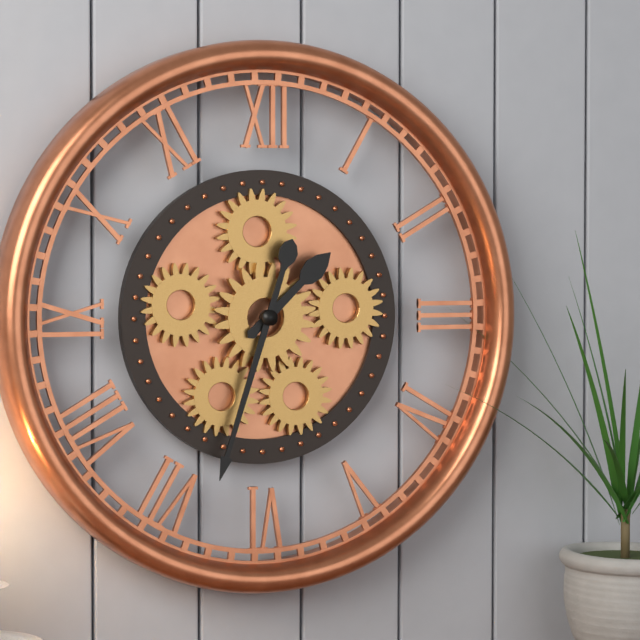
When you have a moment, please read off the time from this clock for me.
1:33
